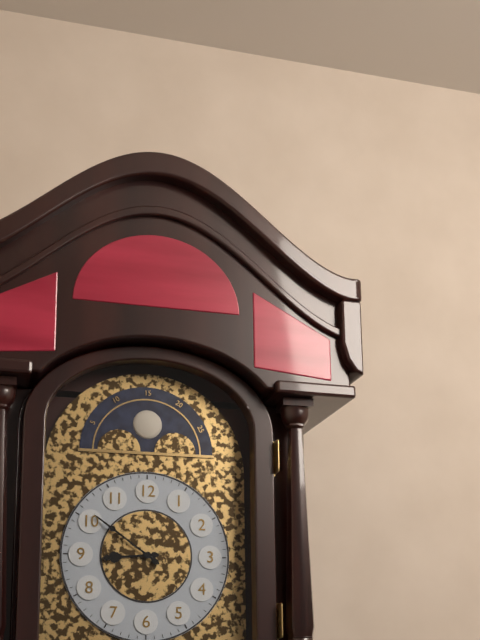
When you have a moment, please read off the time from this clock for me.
8:51
